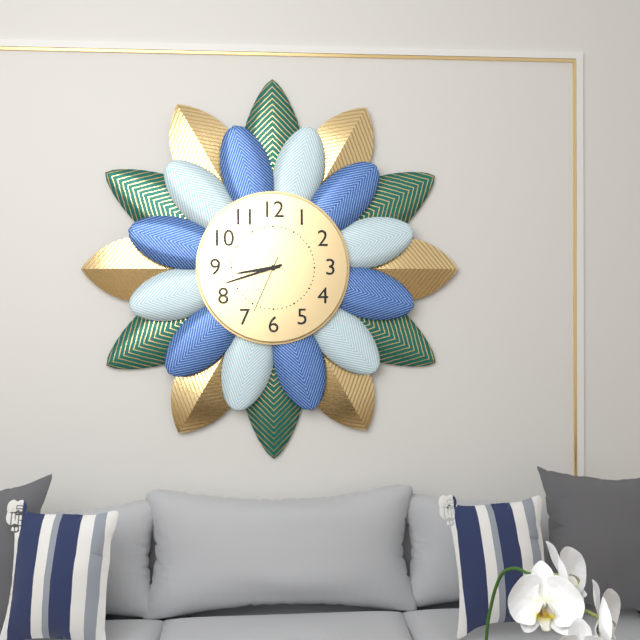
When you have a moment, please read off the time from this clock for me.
8:42:34
